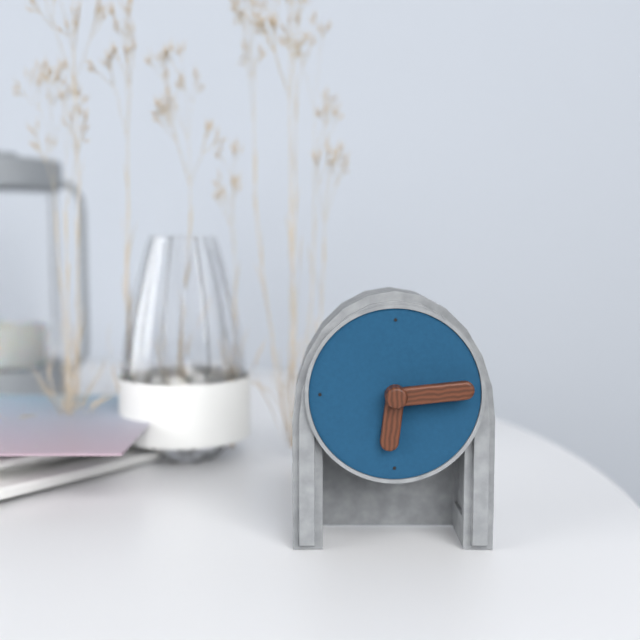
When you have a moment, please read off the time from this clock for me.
6:14
